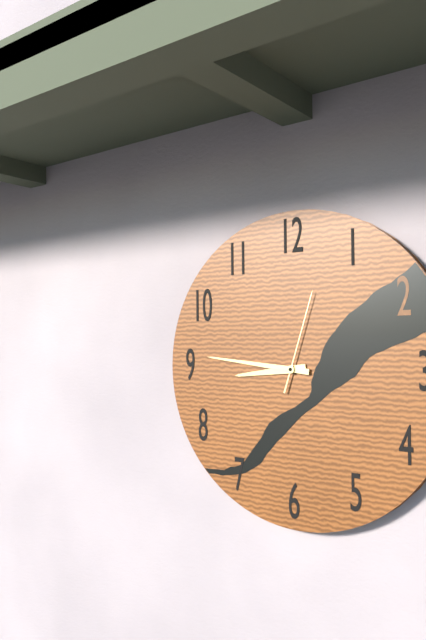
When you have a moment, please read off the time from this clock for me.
8:46:03
